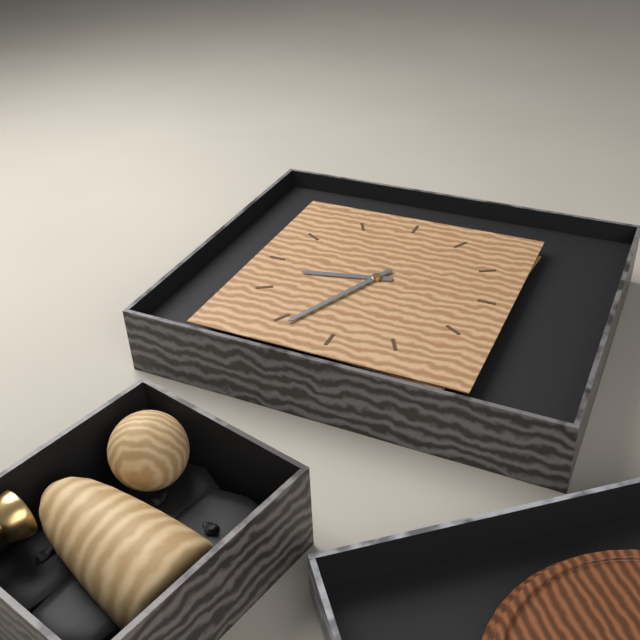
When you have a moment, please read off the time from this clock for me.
8:34
